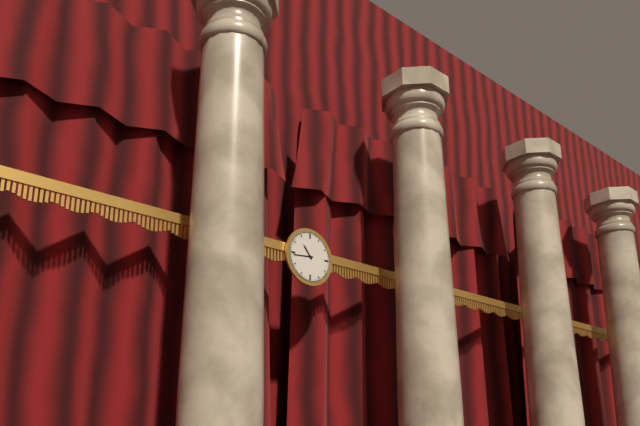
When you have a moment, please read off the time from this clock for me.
10:44
